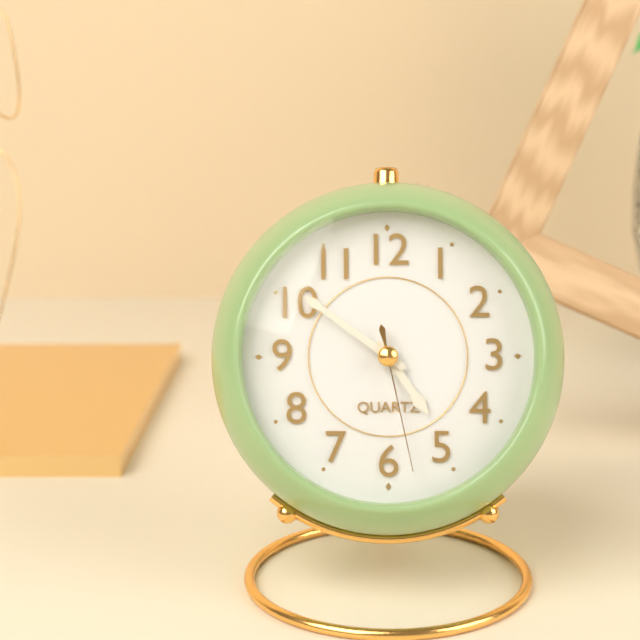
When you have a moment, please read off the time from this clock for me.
4:51:28
